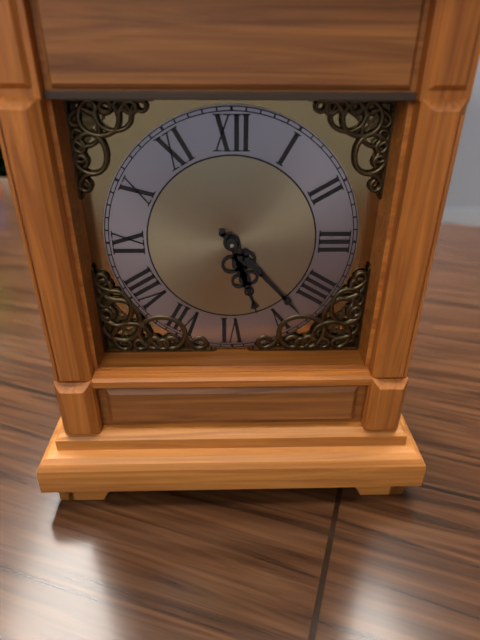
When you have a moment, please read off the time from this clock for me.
5:23
